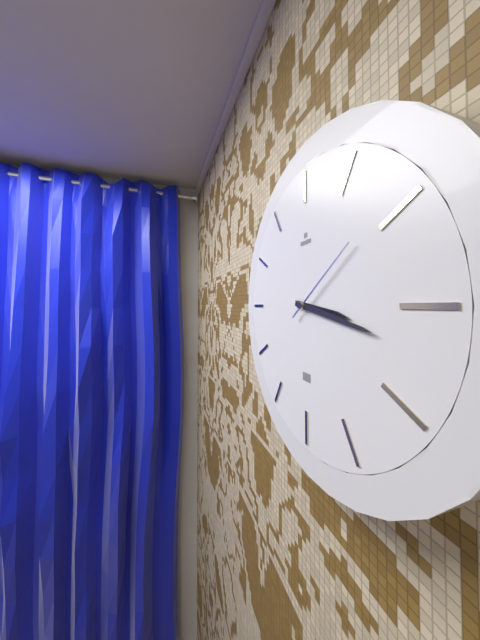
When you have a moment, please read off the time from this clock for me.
3:17:09
